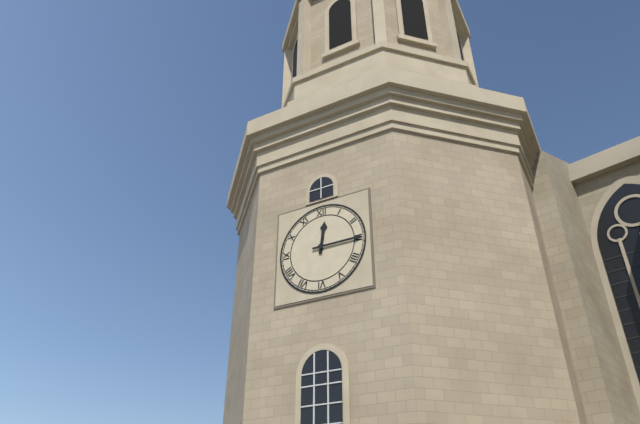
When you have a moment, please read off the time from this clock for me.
12:15
